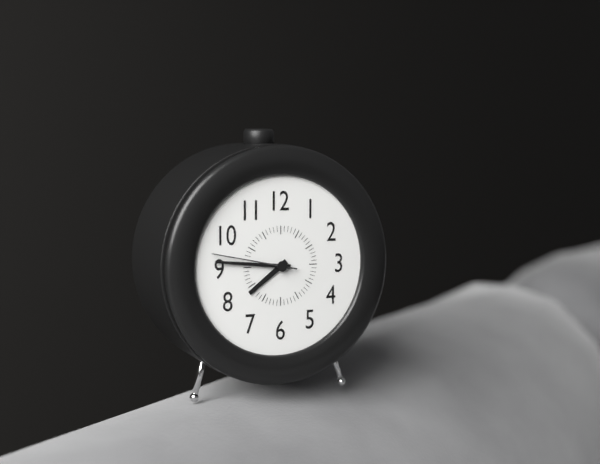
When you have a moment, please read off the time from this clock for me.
7:46:47
